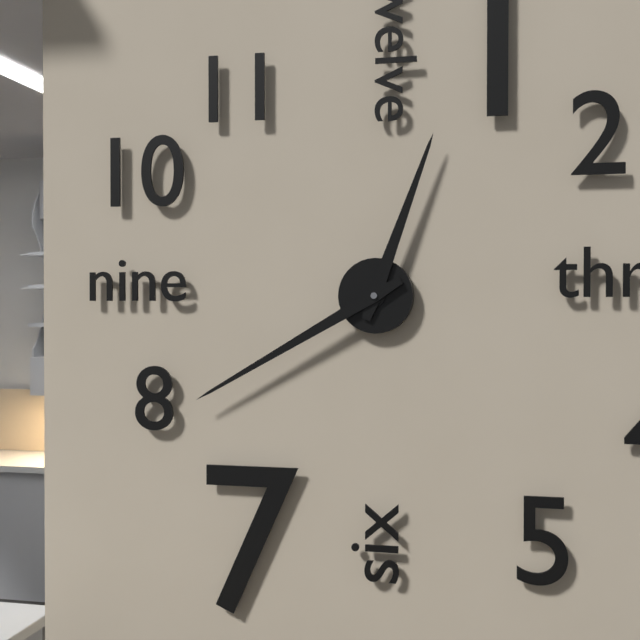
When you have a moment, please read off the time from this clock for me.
12:40
